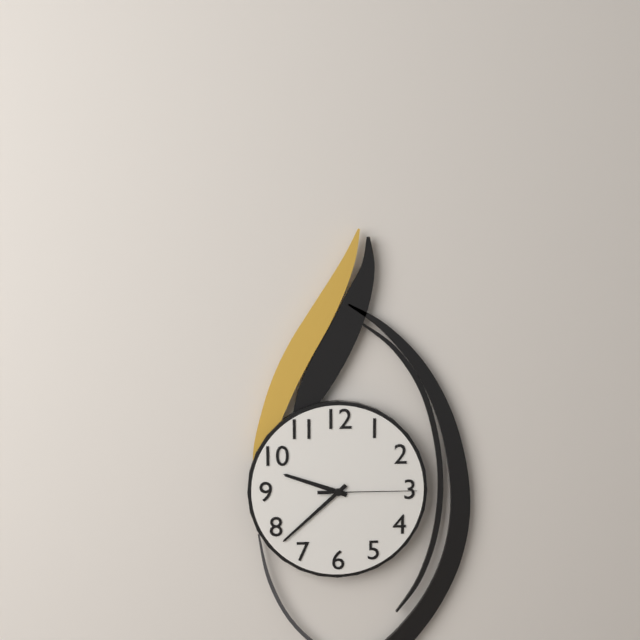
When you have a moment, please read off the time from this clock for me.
9:38:15
